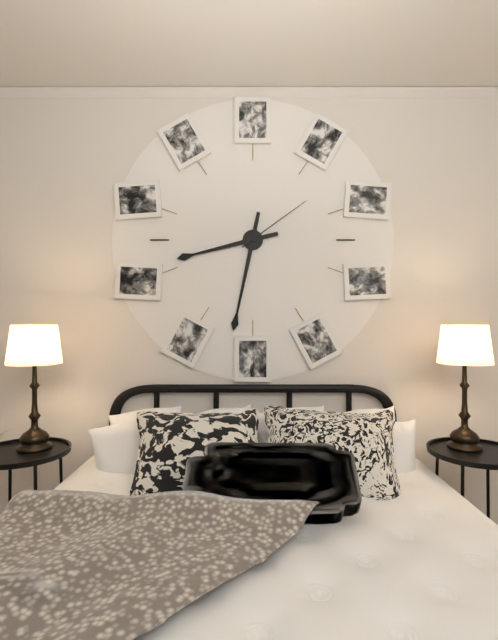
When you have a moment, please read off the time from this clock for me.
8:32:09
